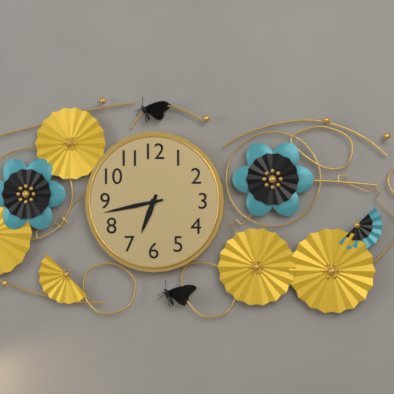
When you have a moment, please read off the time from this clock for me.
6:43
